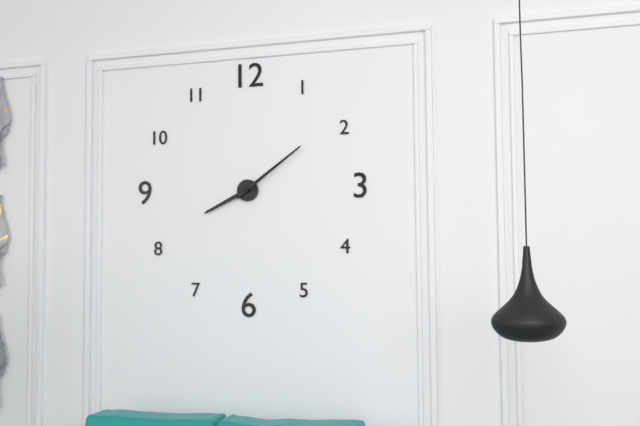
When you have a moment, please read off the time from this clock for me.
8:09
